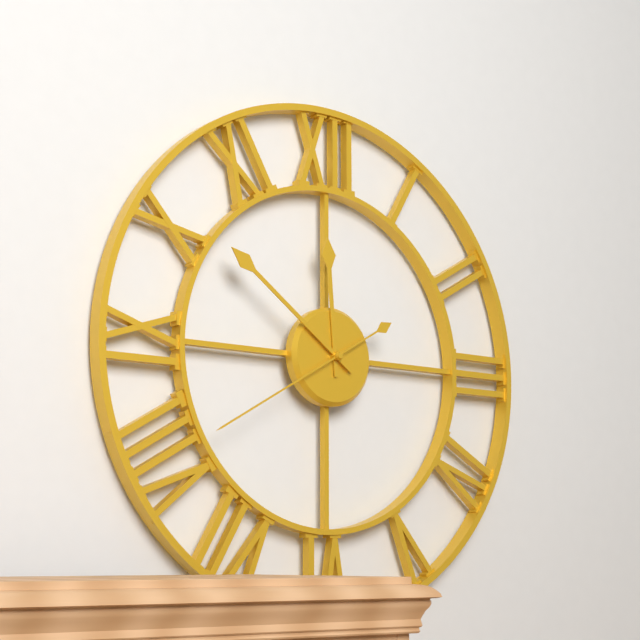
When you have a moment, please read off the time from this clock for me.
11:51:40
